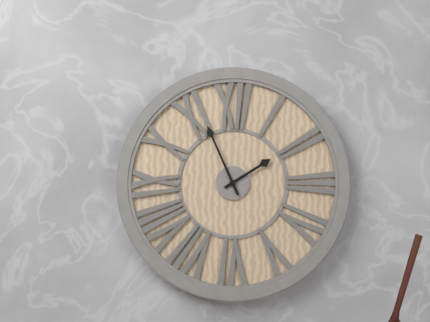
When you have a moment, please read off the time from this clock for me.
1:56
